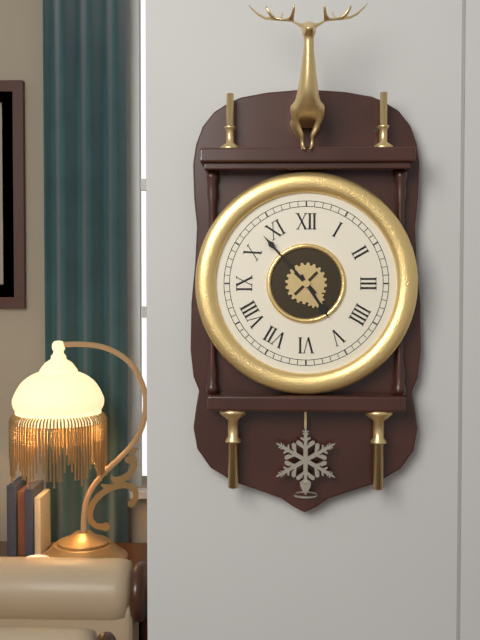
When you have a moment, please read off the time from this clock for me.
4:53
